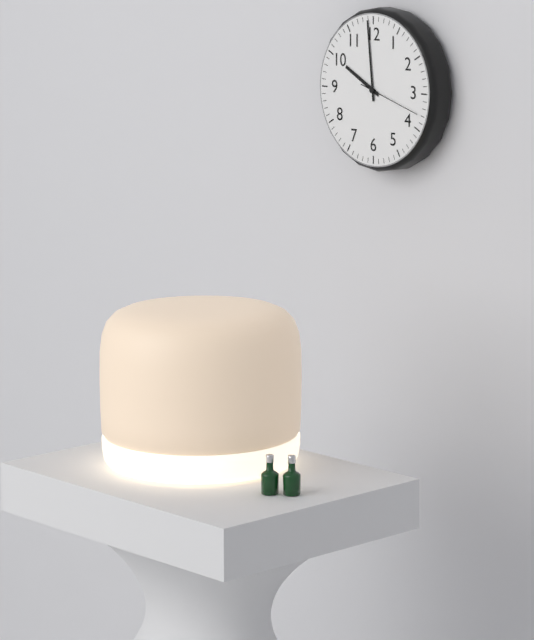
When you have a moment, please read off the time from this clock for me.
9:59:18
